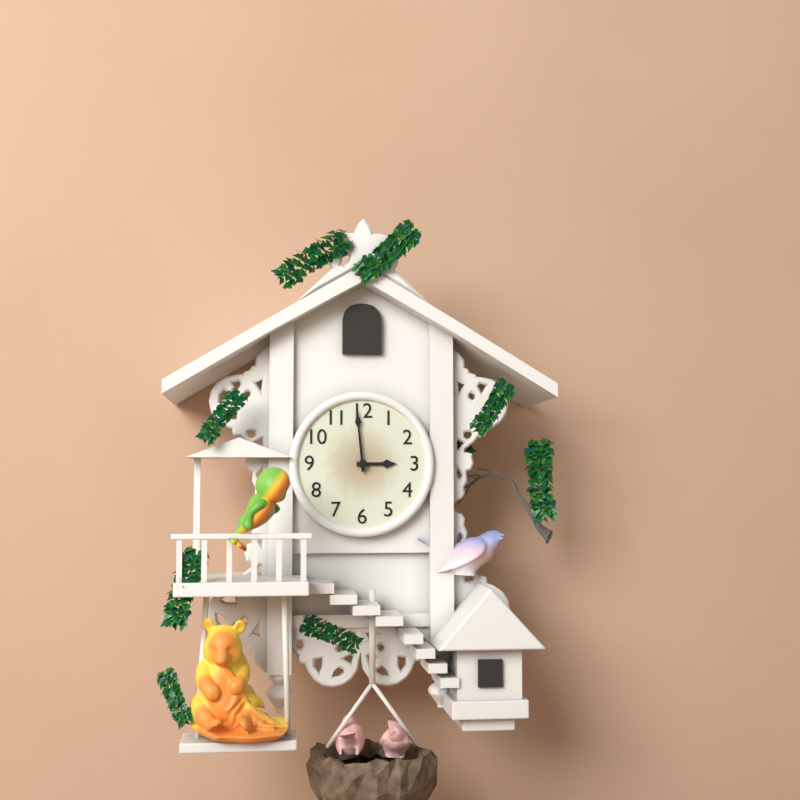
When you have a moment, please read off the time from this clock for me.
2:59
